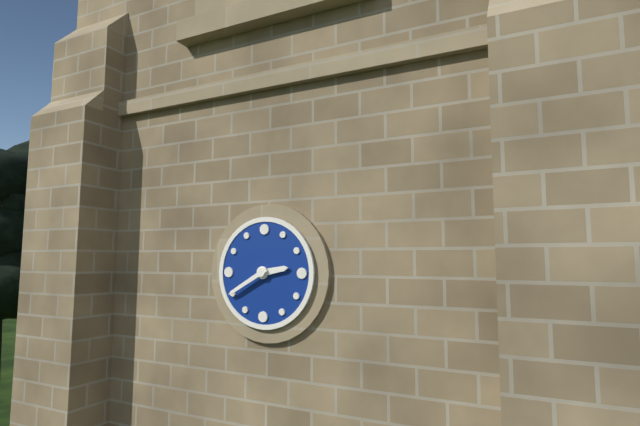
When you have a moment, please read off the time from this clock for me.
2:40
